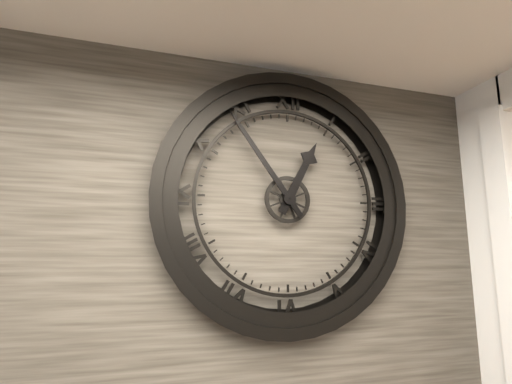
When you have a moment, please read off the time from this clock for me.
12:54
